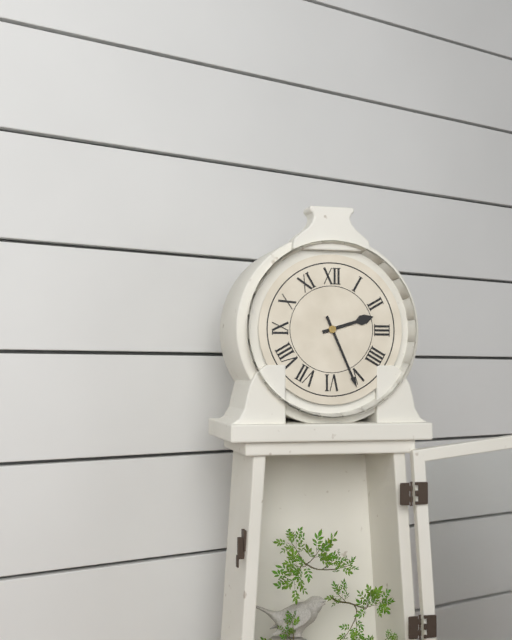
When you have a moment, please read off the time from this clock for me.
2:26
